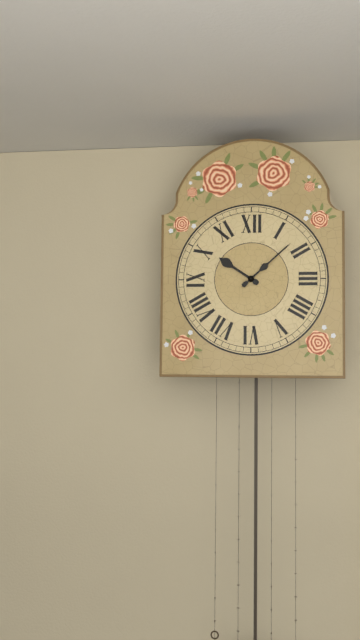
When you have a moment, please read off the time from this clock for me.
10:08
